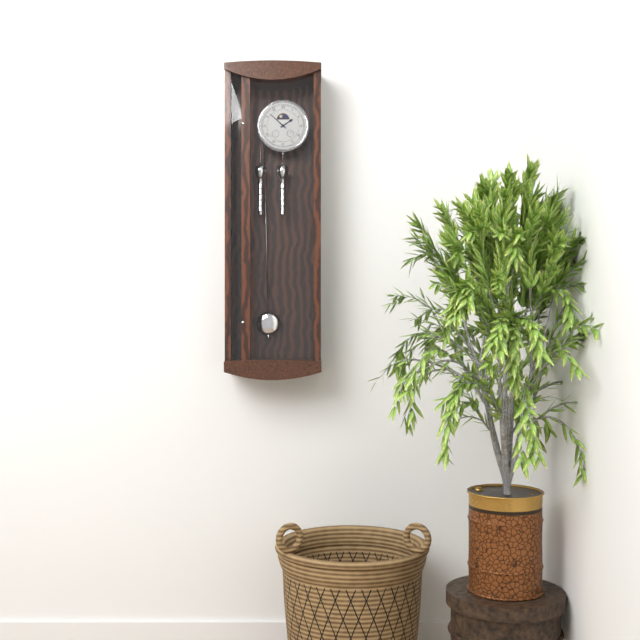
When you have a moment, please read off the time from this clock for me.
1:52
